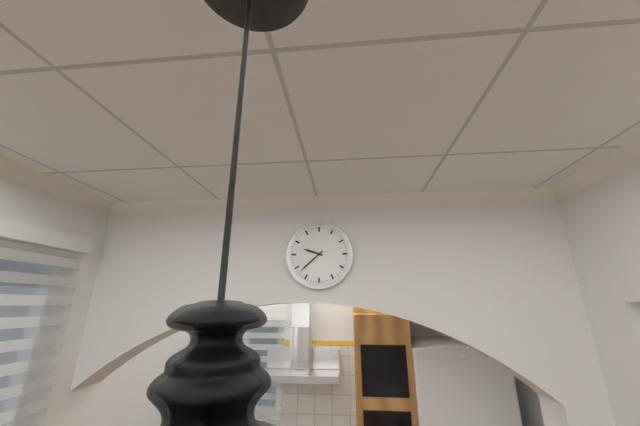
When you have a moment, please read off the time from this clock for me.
9:38
